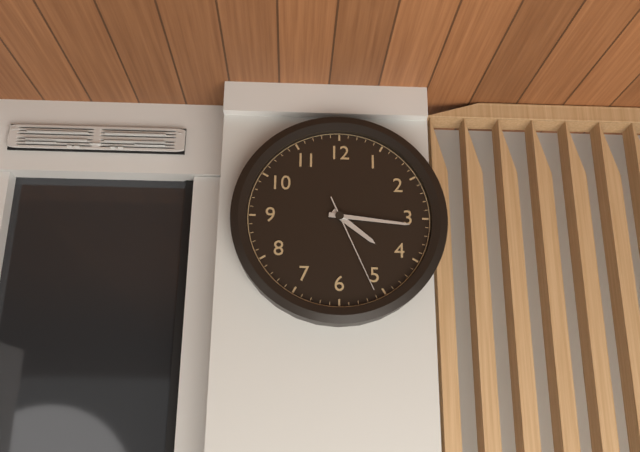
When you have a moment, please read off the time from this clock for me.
4:16:26
